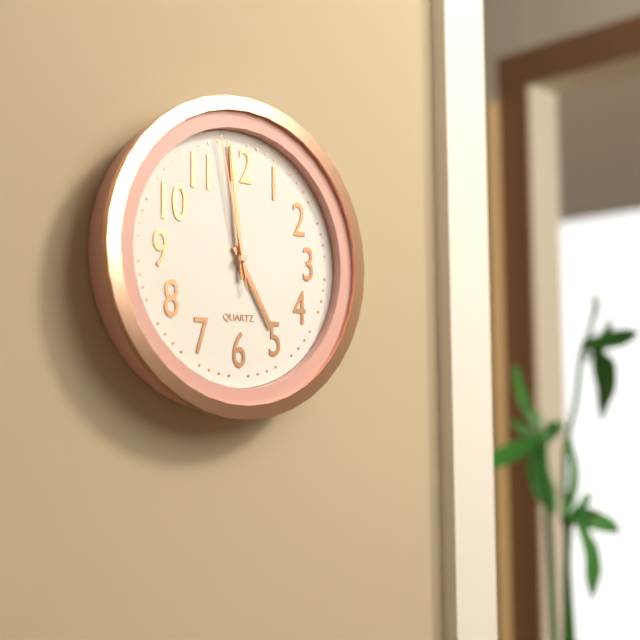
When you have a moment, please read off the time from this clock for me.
4:59:58
